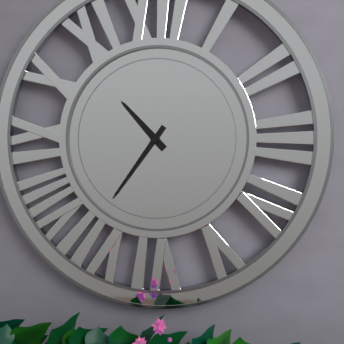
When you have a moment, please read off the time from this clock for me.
10:36
